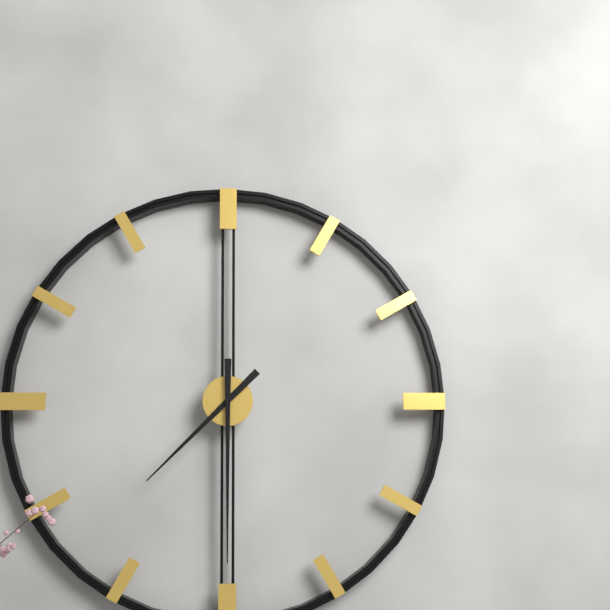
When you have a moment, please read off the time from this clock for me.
7:30
